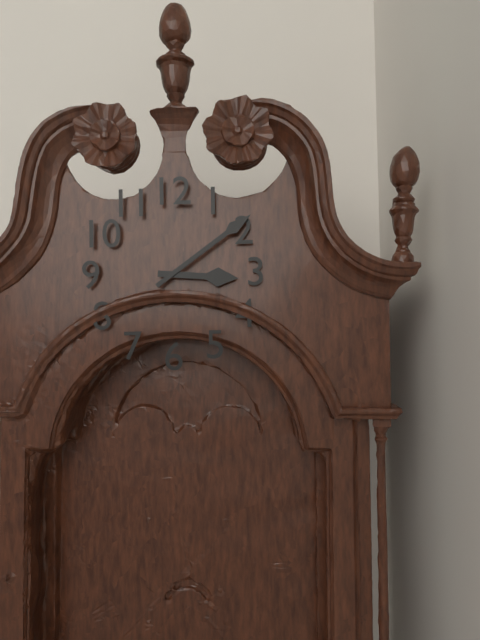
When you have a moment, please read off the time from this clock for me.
3:09
